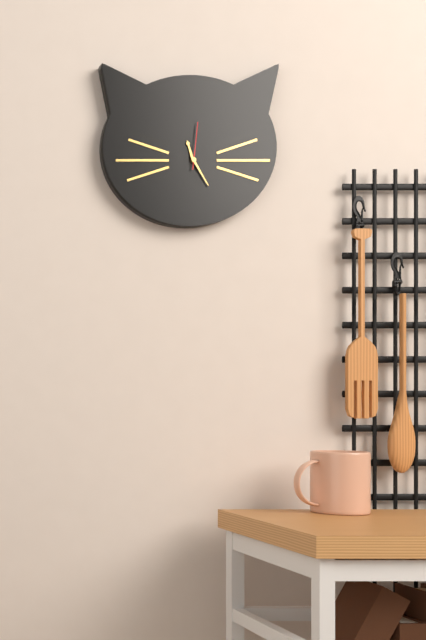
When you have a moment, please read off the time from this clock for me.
11:25:01
